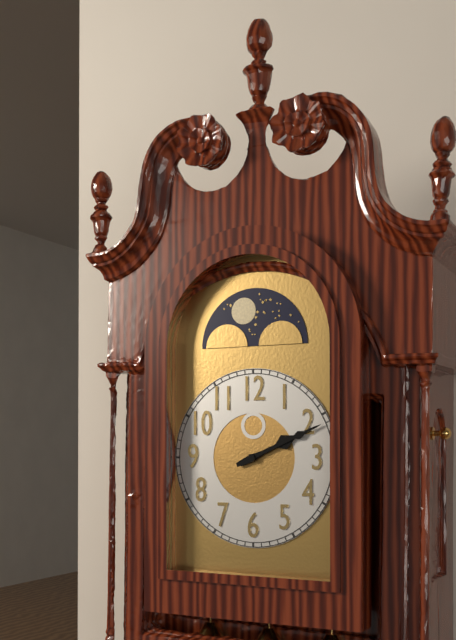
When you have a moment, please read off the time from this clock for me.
2:11
